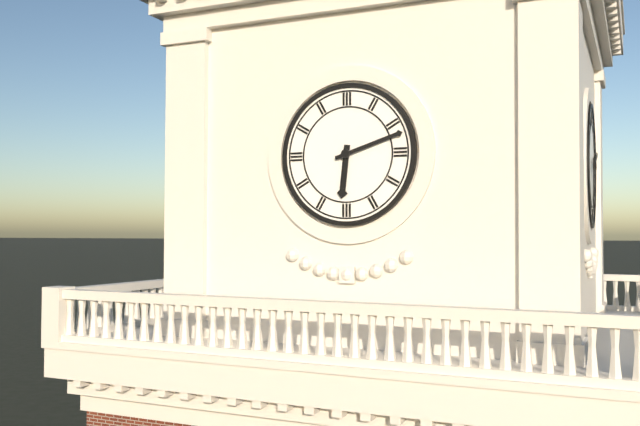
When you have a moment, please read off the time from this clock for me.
6:12
